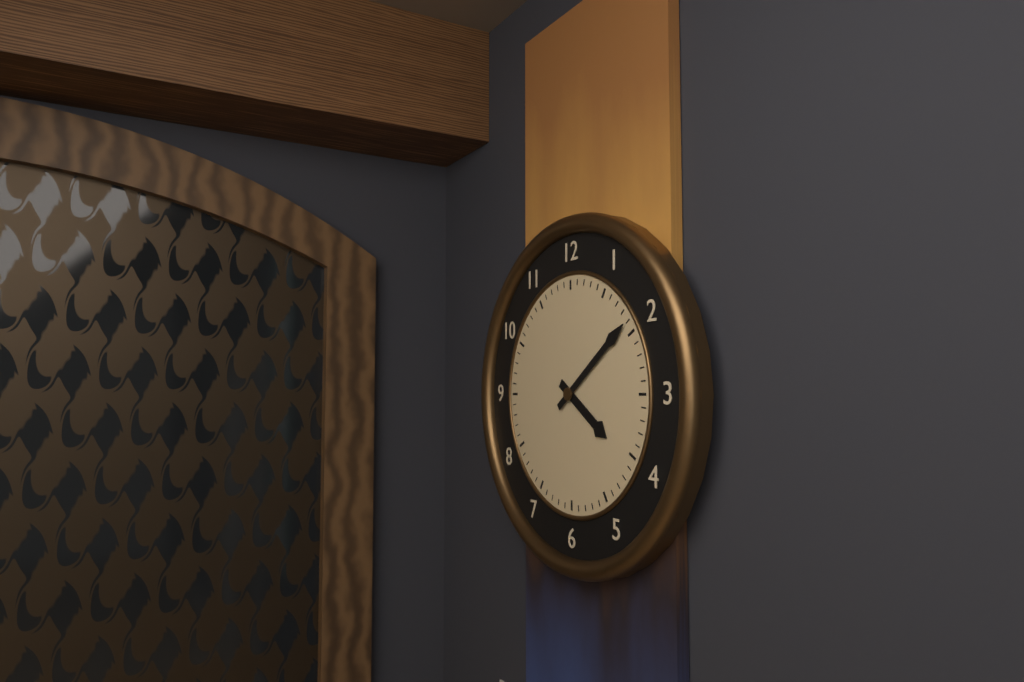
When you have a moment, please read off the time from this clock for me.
4:09
